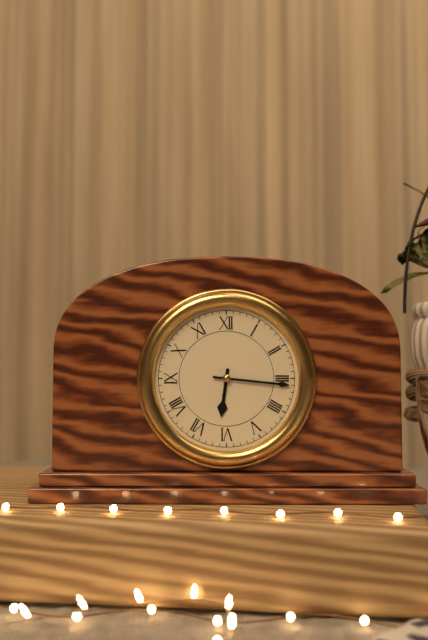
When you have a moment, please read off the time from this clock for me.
6:16
